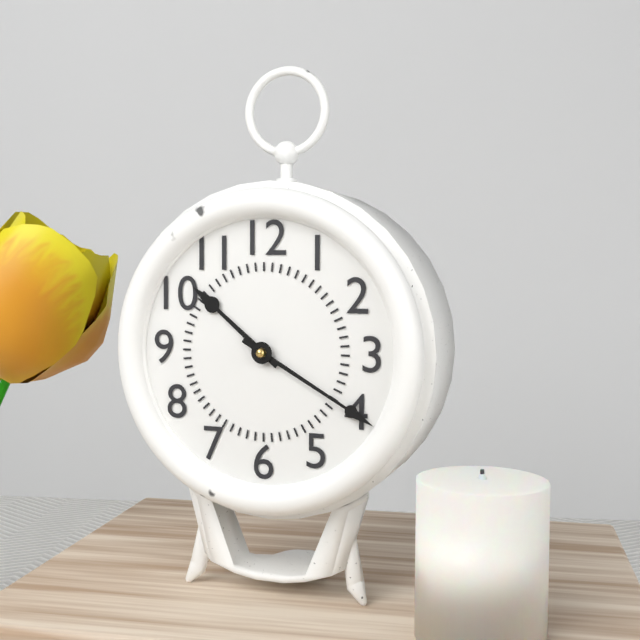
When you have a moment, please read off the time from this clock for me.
10:20
